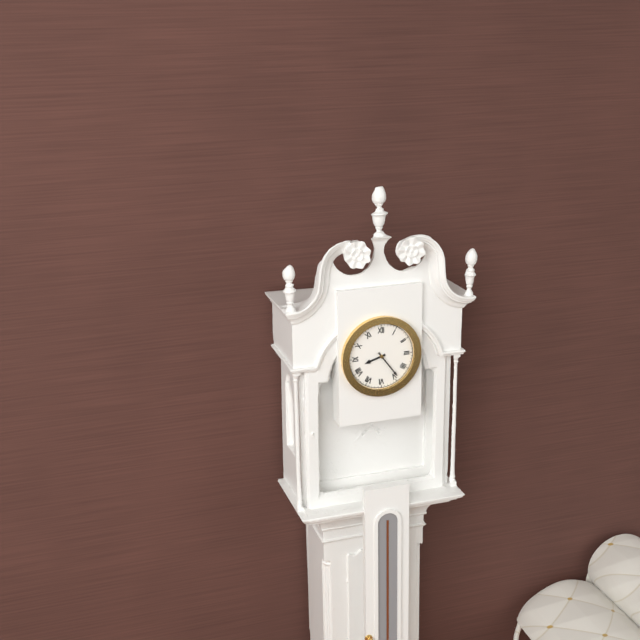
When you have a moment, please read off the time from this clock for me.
8:24
